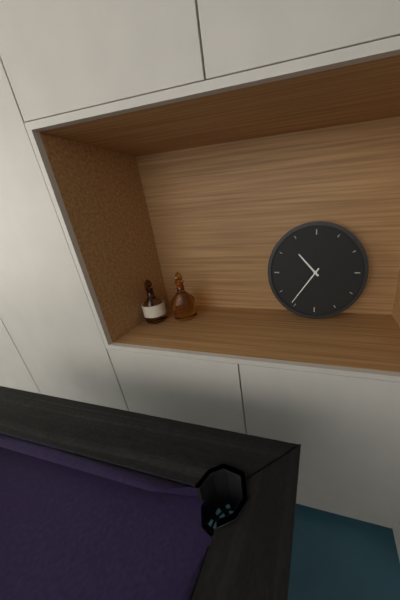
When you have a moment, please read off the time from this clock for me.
10:36
